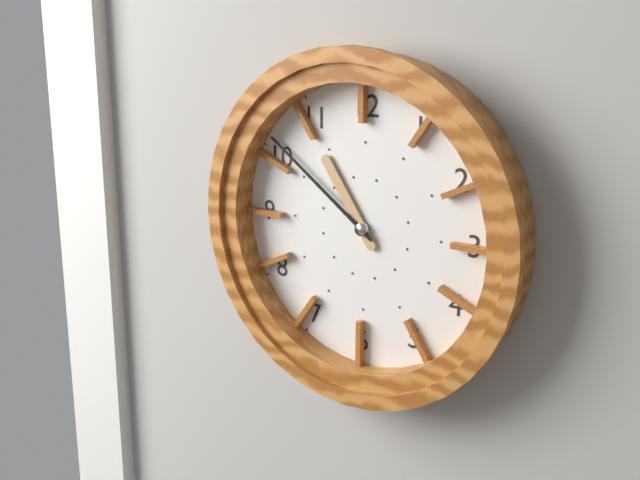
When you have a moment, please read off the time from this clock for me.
10:51
